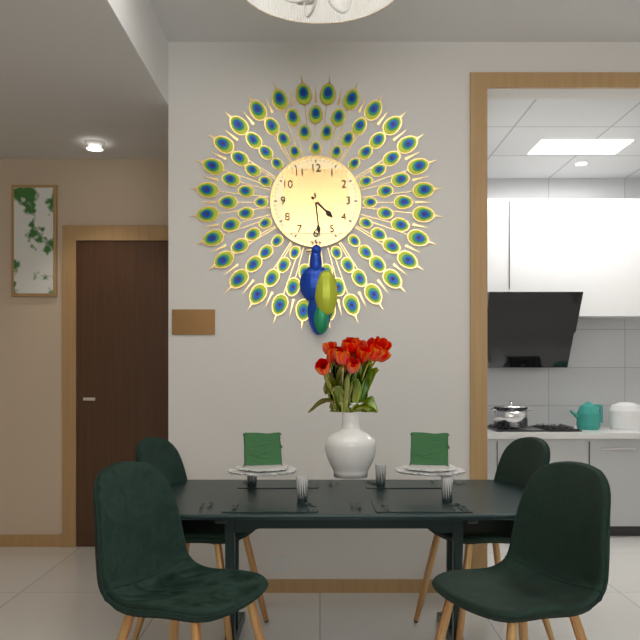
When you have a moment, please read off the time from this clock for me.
4:29
